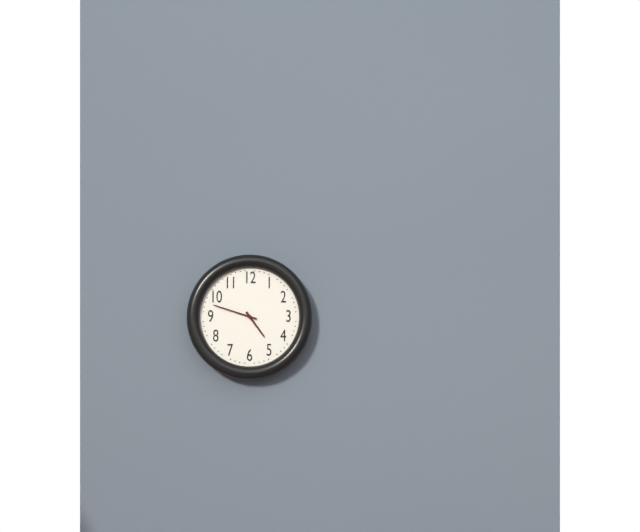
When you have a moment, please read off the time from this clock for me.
4:48
